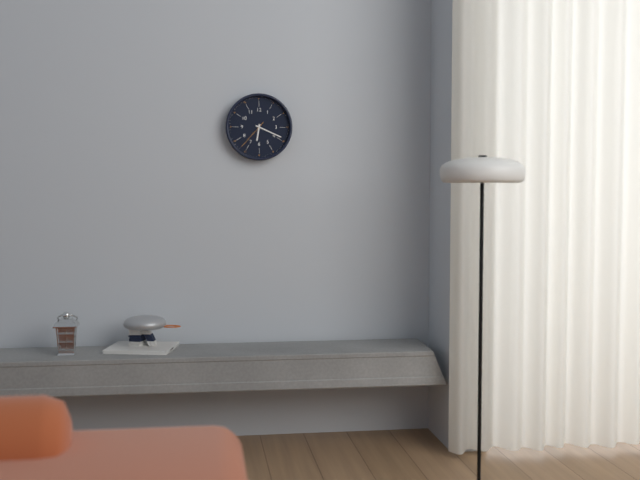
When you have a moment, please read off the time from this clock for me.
6:19
